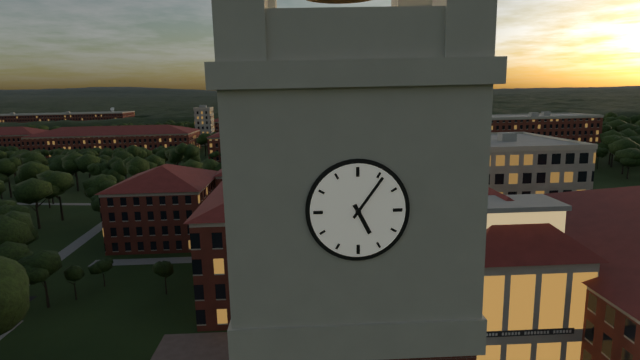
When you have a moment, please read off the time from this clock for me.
5:06
